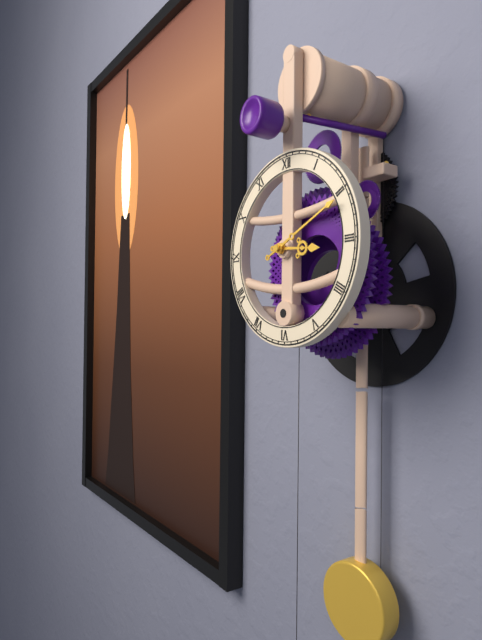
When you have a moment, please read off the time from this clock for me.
3:11
